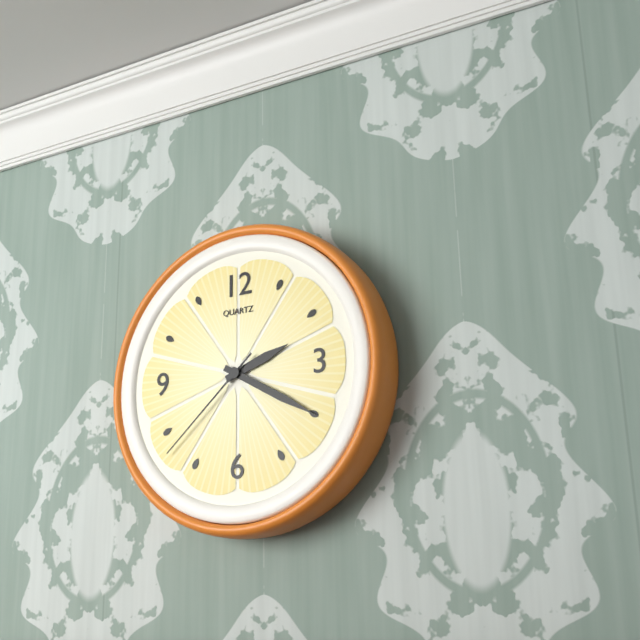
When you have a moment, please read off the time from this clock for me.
2:20:38
